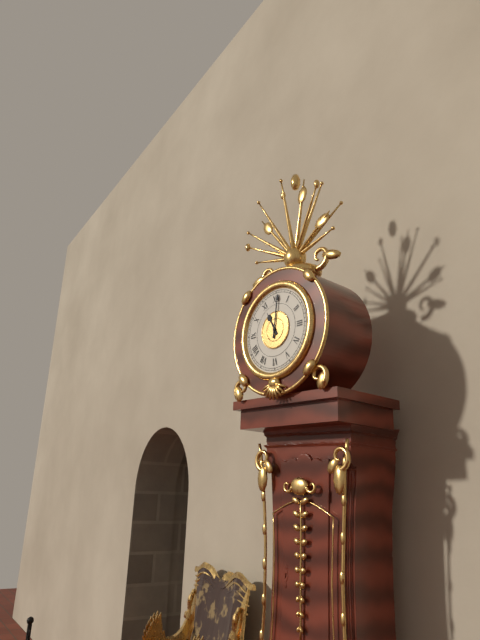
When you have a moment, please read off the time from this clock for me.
11:01
